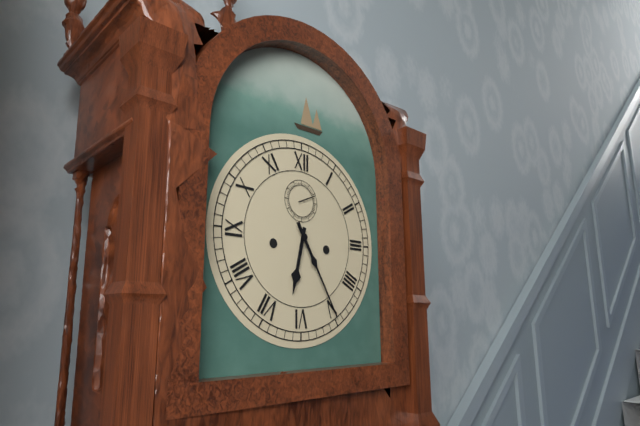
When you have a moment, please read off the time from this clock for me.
6:25
